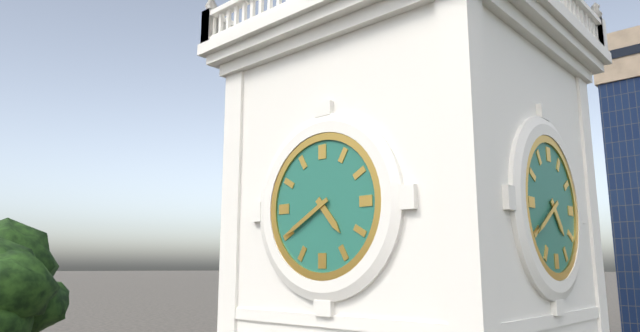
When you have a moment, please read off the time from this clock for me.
4:40
